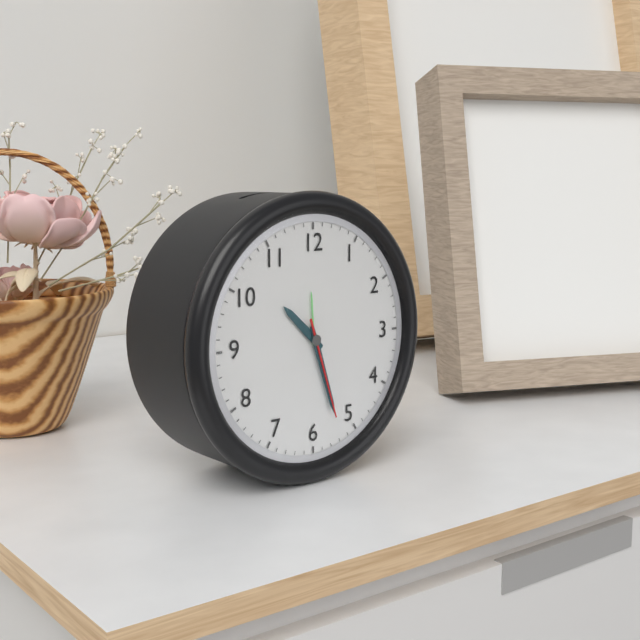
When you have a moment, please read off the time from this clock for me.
10:27:27
